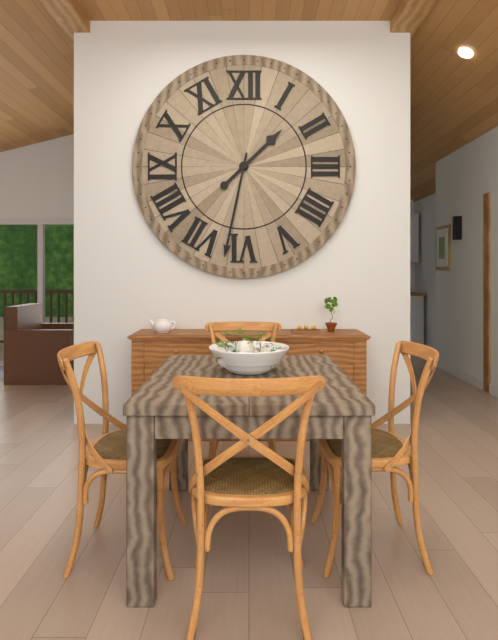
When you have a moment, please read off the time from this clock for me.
1:32
